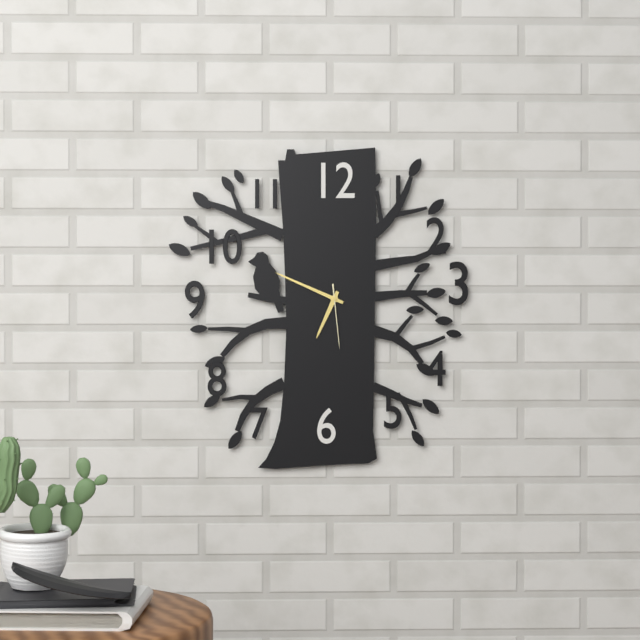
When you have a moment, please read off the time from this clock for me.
6:49:29
